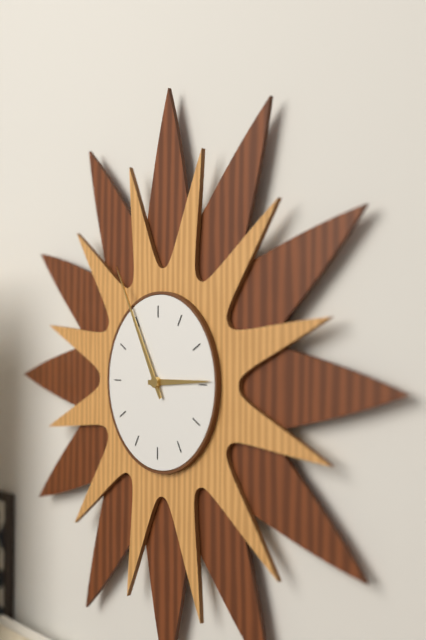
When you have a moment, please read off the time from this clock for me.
2:55
